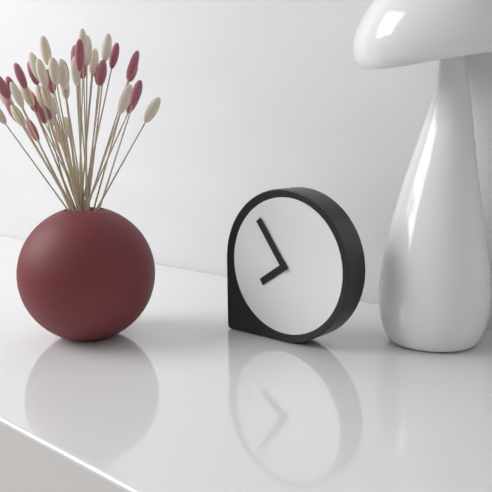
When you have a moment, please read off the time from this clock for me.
7:54
